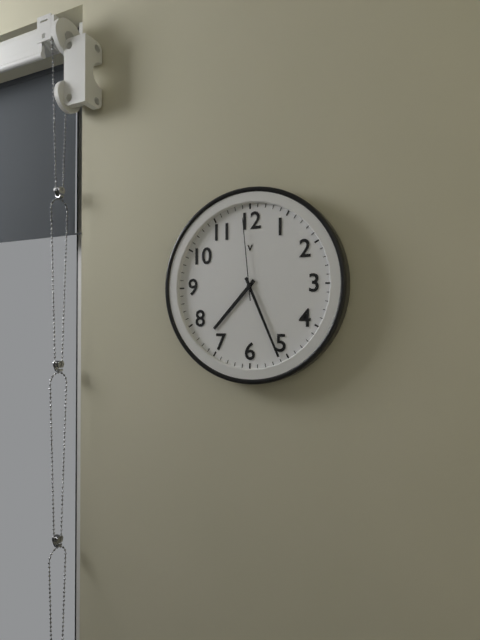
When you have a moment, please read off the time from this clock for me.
7:26:59
